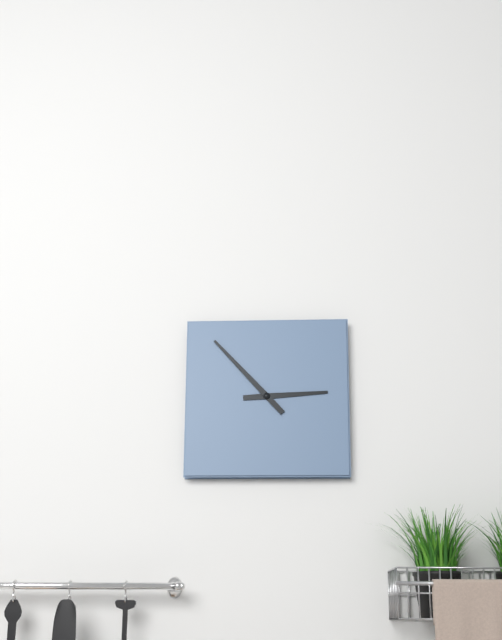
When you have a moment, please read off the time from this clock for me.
2:53
